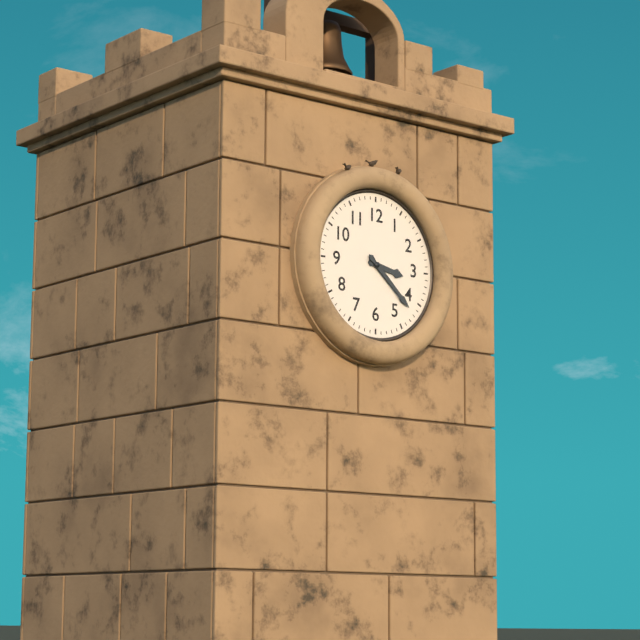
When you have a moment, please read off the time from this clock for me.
3:22
